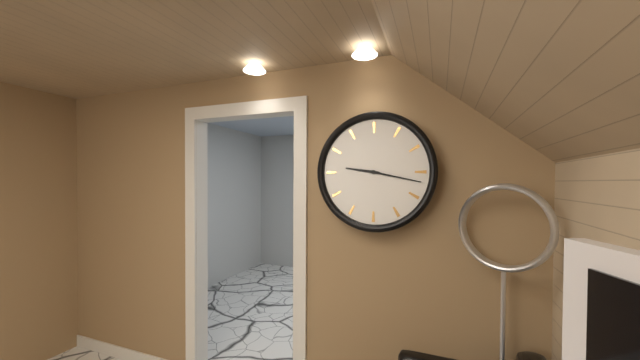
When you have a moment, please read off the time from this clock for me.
9:17
